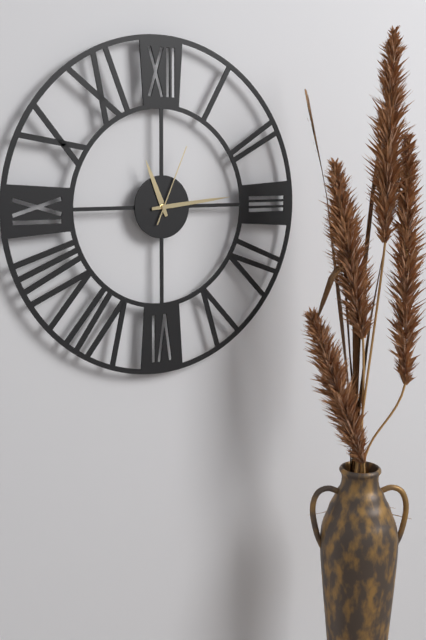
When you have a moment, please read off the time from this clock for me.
11:14:04
